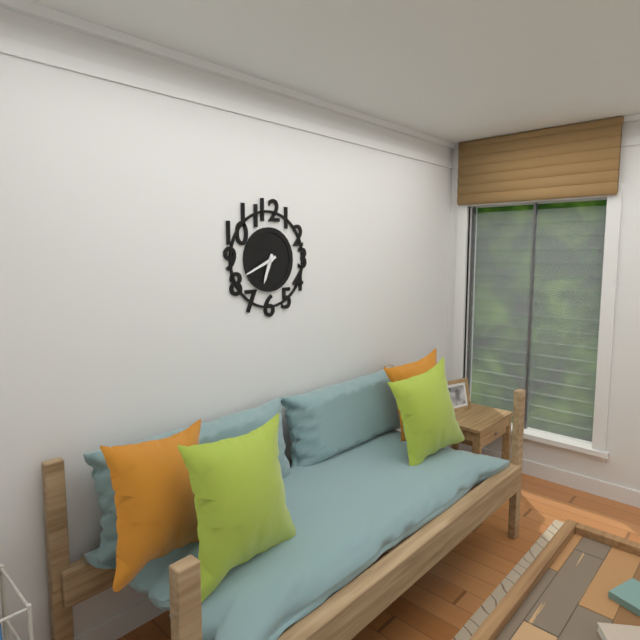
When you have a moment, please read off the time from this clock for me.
6:41
